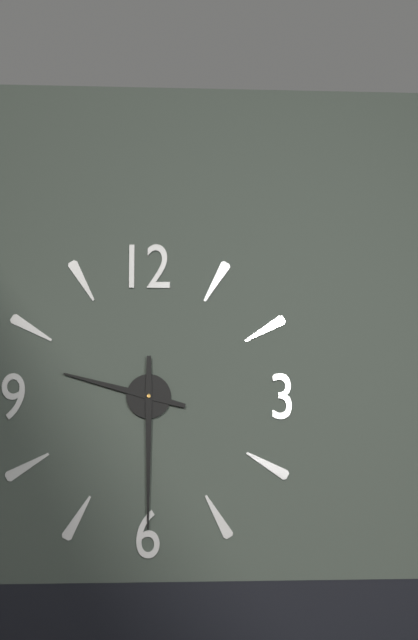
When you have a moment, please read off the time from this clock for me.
9:30
